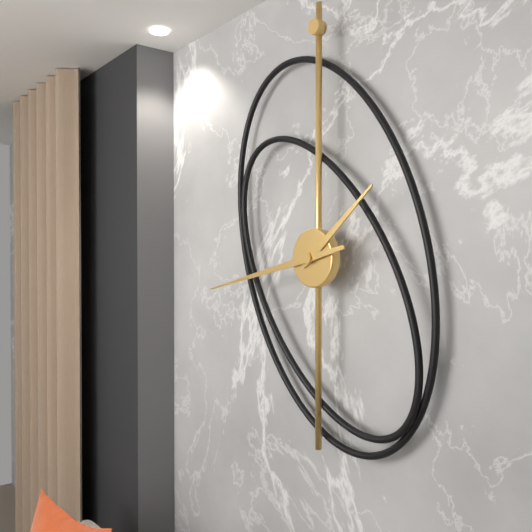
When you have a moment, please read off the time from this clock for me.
1:43
